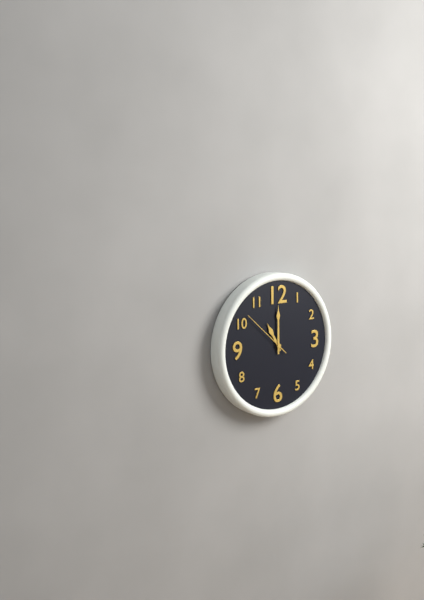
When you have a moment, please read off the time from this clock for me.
11:00:52
